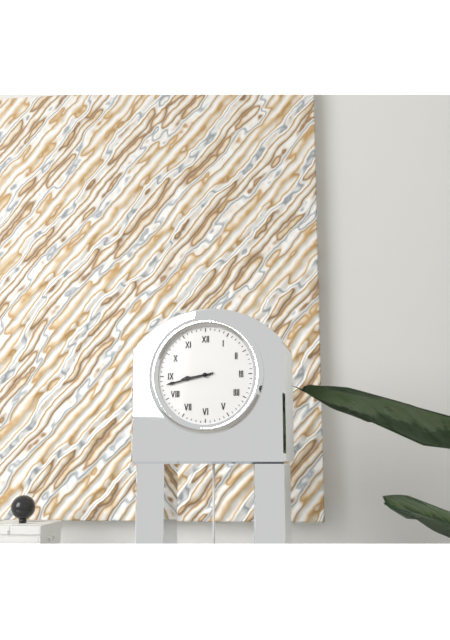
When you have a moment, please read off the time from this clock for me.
8:43
